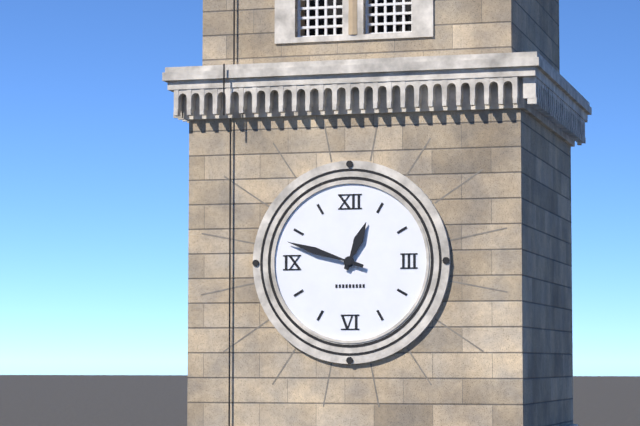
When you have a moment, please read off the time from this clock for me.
12:48
